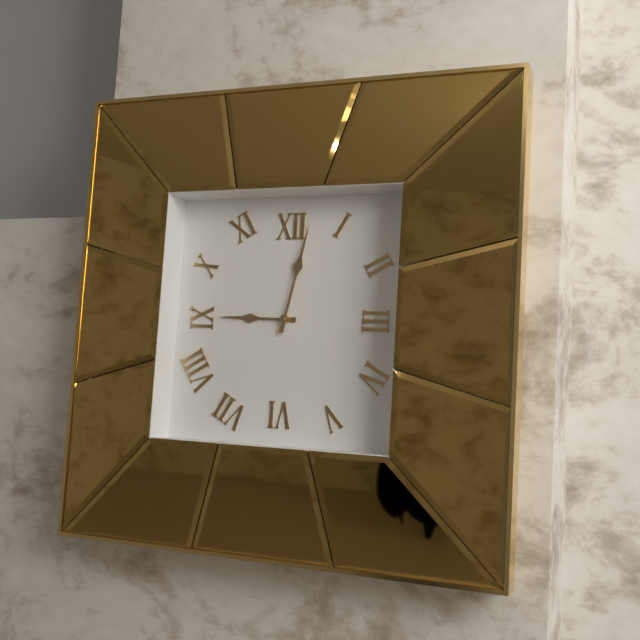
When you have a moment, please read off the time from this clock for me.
9:02
